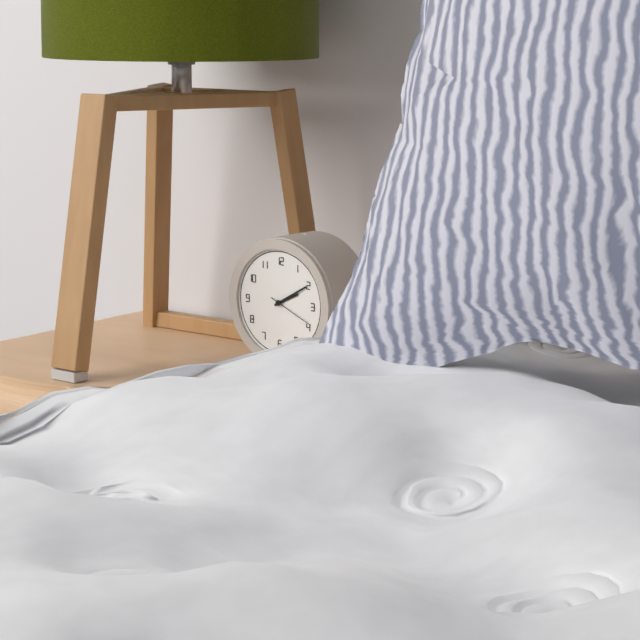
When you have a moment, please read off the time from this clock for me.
2:10
